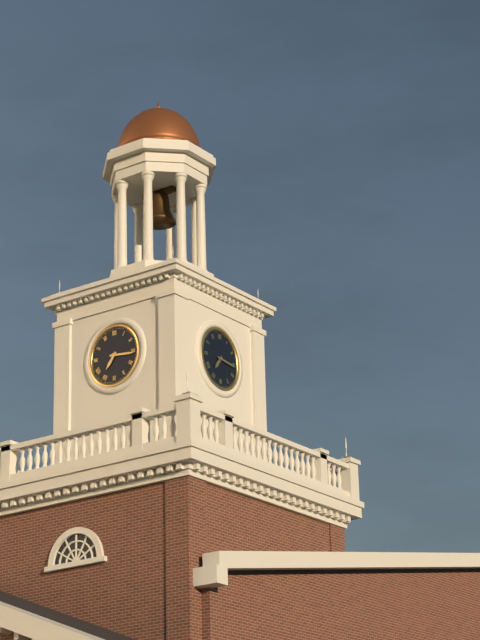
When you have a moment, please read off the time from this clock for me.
7:16
